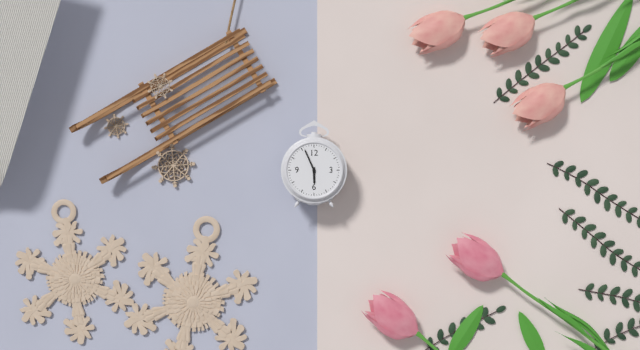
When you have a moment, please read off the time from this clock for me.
5:56
